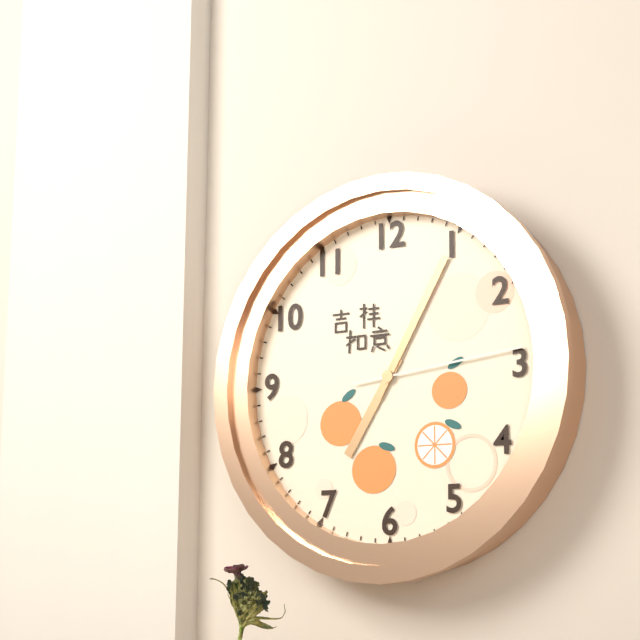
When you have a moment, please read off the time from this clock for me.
7:05:14
